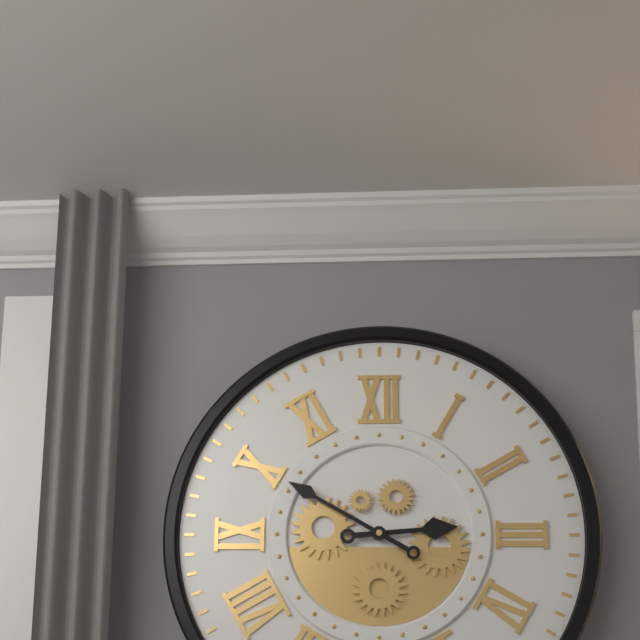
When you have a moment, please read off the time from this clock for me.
2:50
